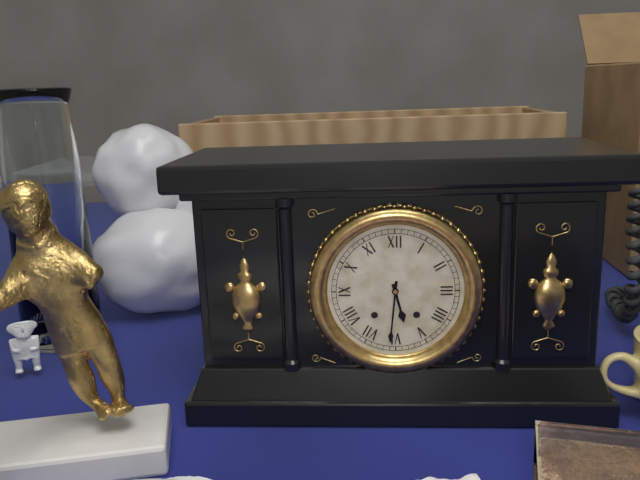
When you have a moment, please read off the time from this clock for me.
5:31
